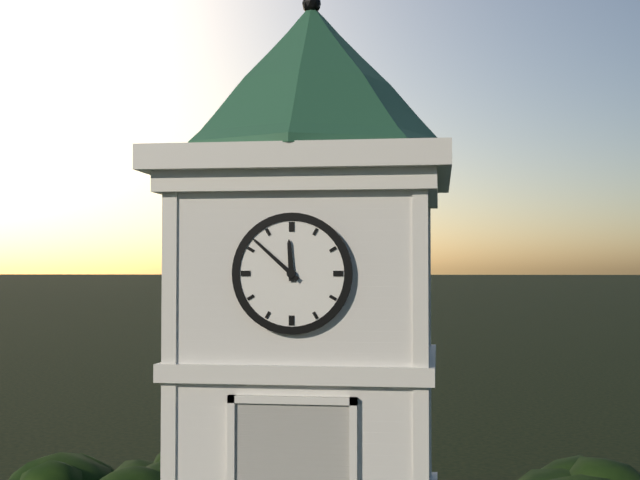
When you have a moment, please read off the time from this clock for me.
11:52
